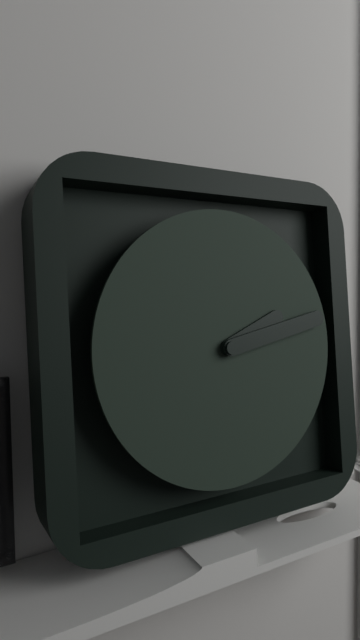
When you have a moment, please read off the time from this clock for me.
2:13
